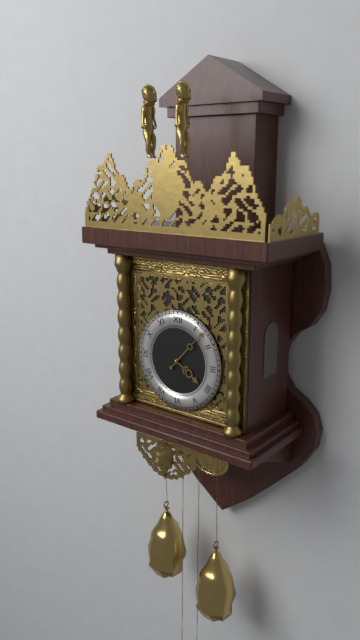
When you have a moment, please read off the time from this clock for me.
4:07
